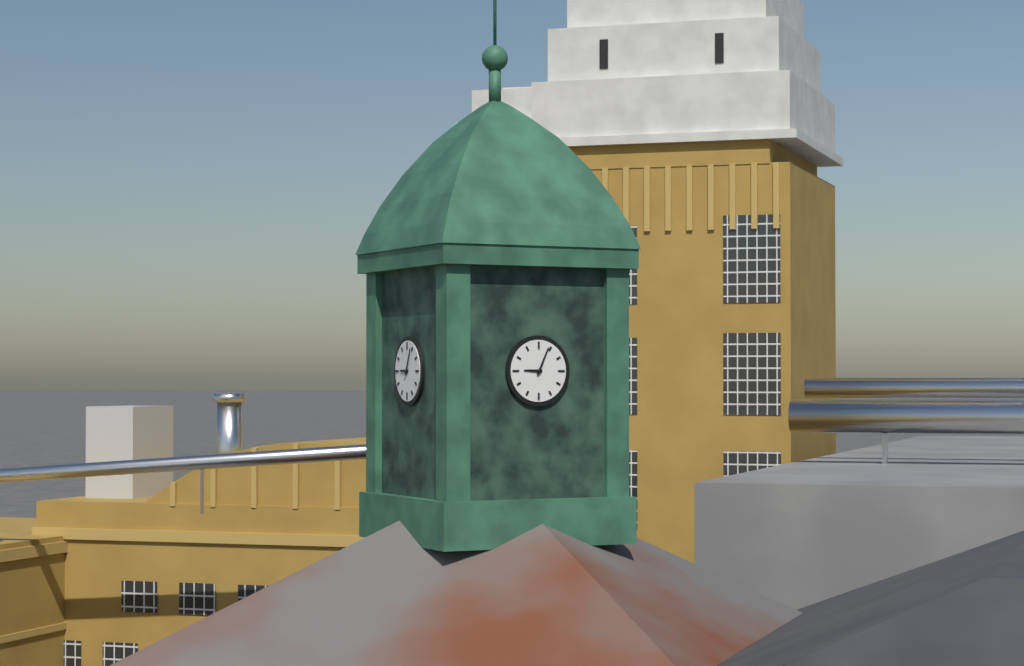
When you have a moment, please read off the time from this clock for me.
9:04
